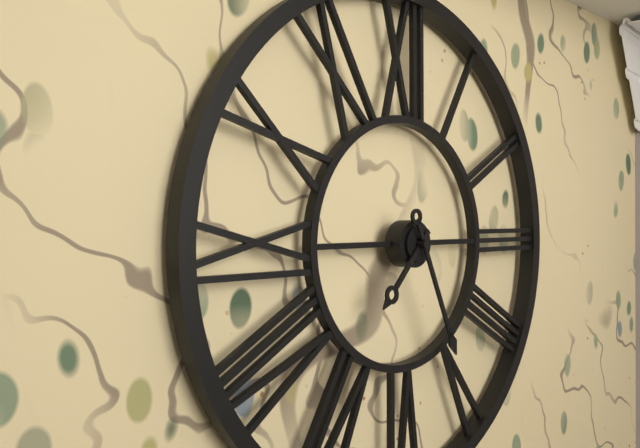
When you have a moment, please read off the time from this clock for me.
7:26
